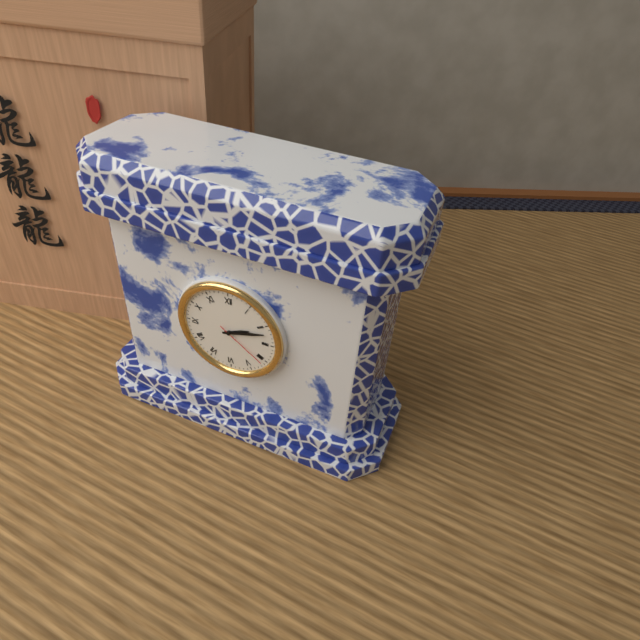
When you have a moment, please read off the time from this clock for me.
2:12:21
